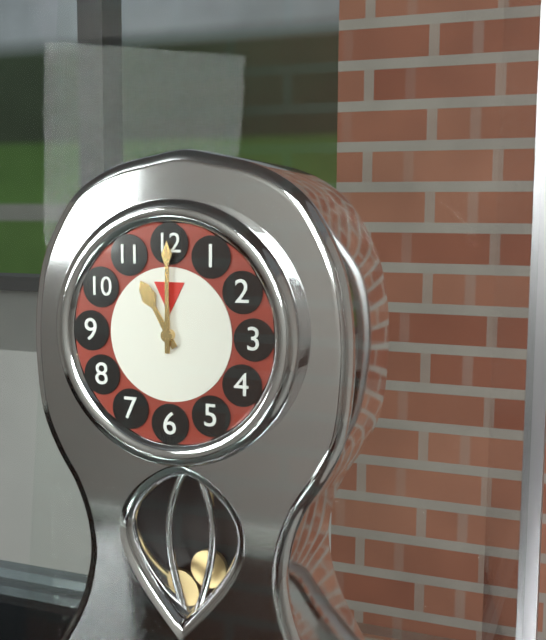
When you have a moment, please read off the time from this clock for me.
11:00
